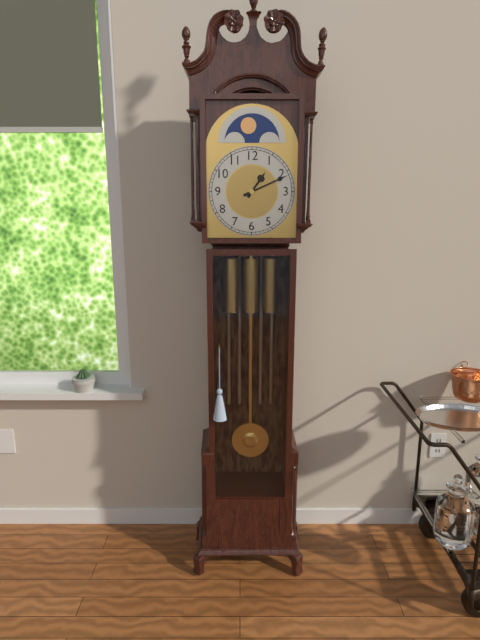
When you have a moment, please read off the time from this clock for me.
1:11
